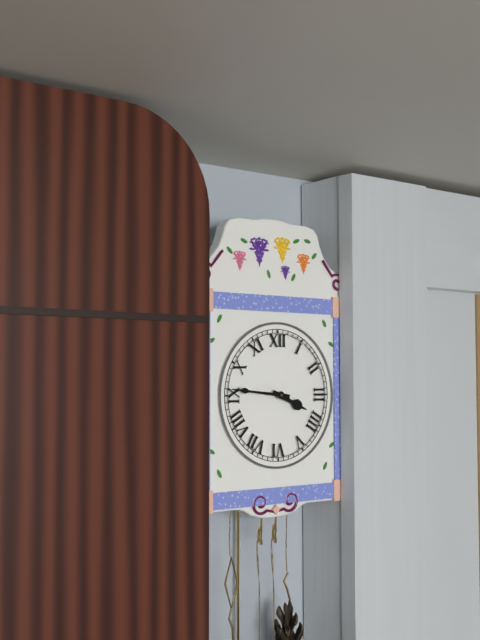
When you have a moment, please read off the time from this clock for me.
3:46
